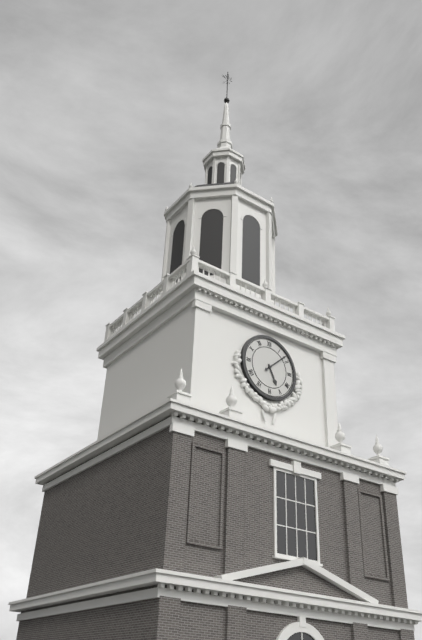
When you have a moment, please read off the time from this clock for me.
5:08
